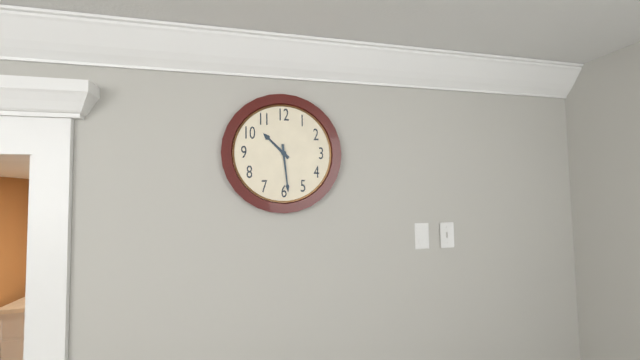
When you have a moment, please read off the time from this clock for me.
10:29
